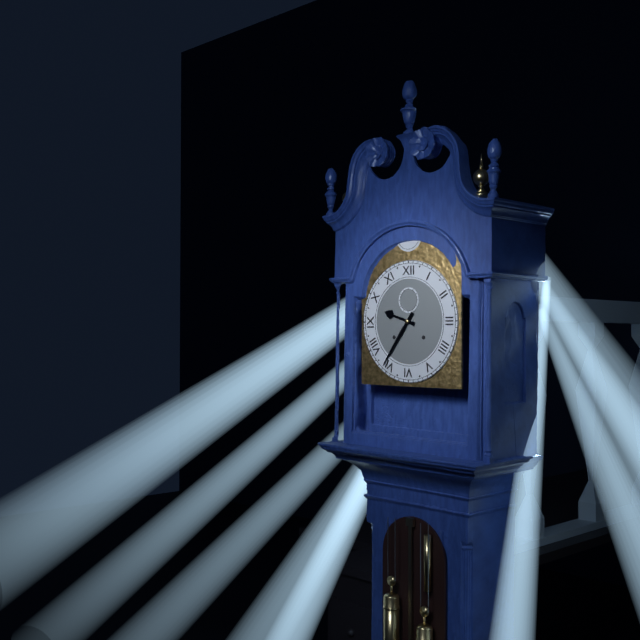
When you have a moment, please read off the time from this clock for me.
9:36
